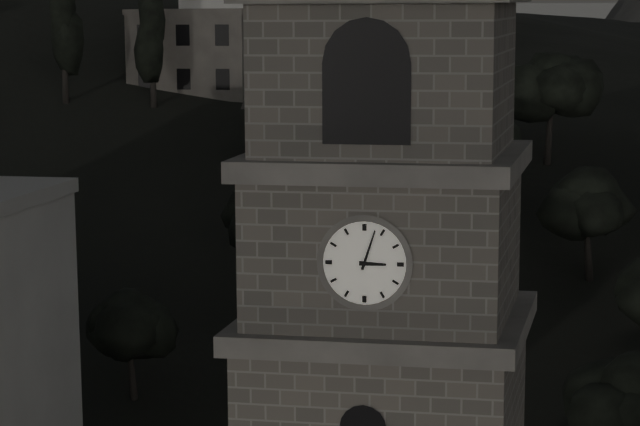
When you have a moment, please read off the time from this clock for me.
3:03
